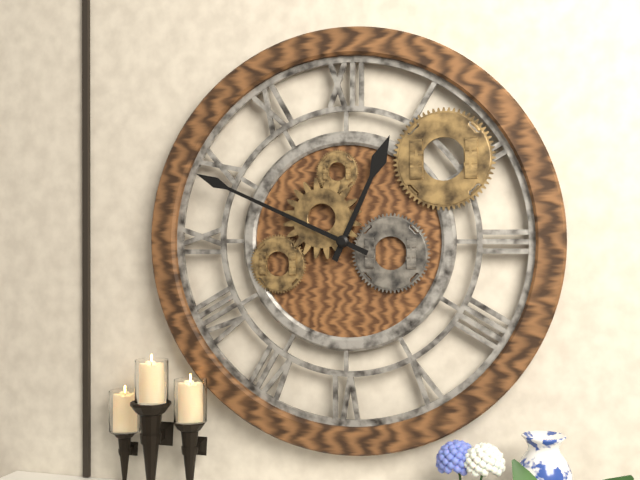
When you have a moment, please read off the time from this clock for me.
12:49
